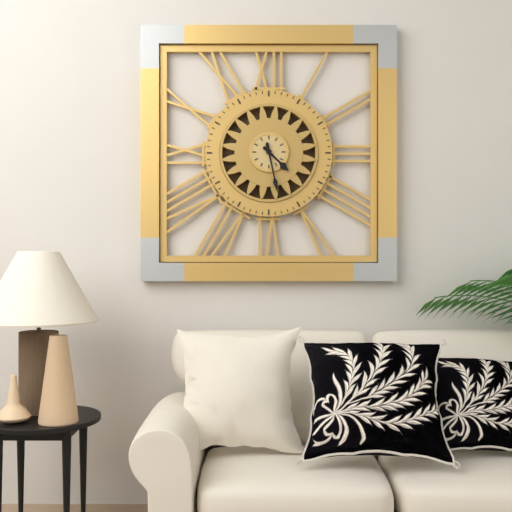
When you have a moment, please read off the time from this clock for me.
4:28
